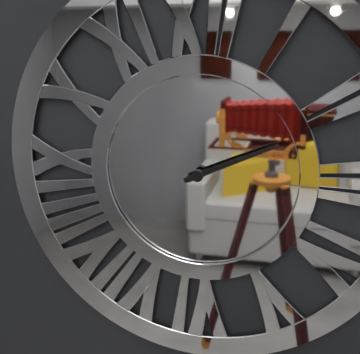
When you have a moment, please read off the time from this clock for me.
2:11
